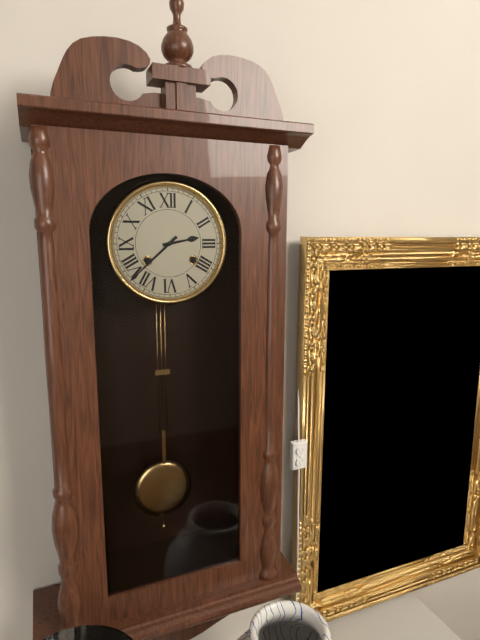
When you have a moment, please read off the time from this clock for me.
2:38
